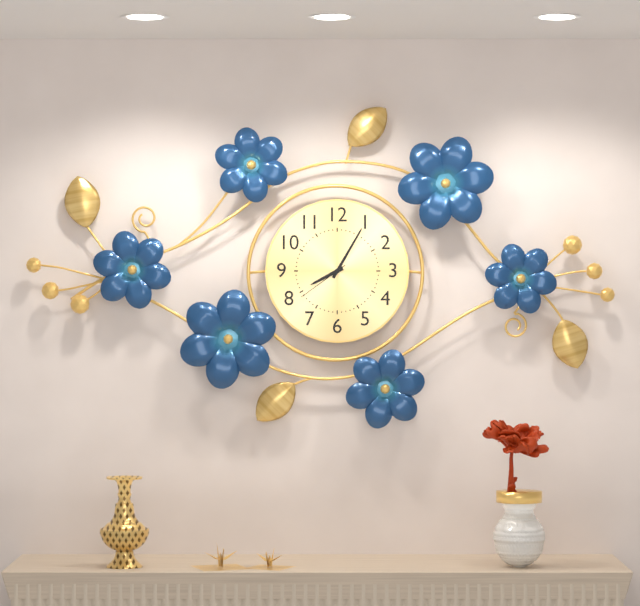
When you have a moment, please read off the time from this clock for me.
8:05:39
